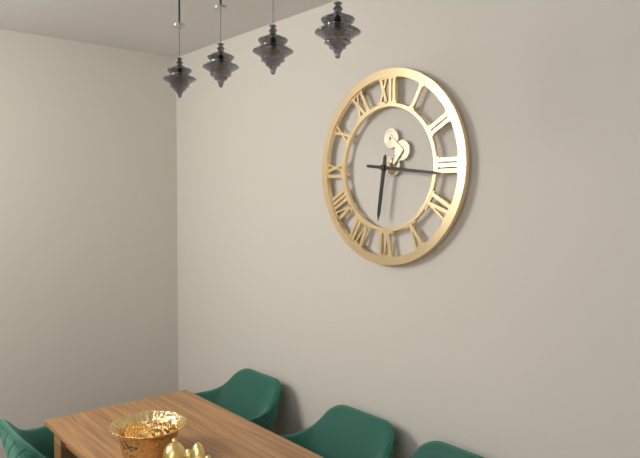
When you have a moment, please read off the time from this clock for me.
6:16
